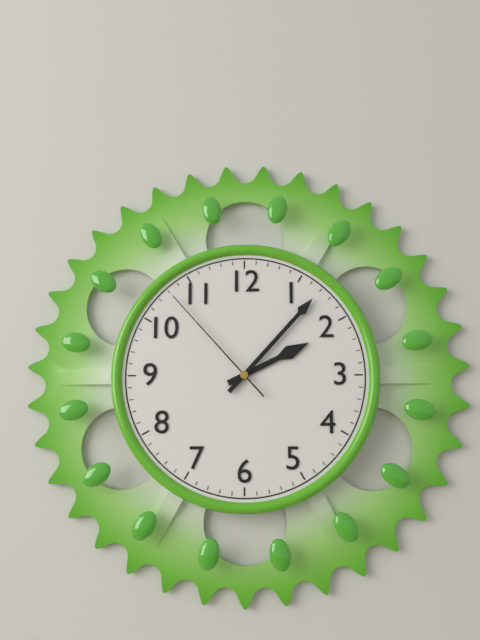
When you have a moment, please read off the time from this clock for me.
2:07:53
